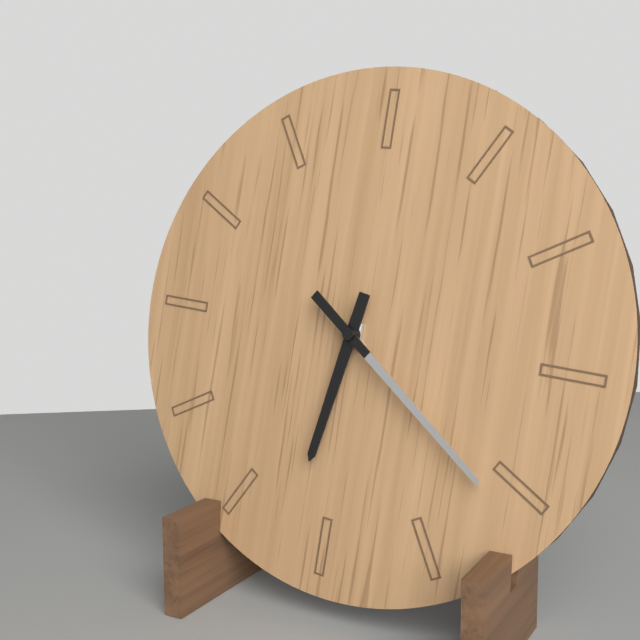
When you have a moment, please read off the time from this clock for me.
6:21
